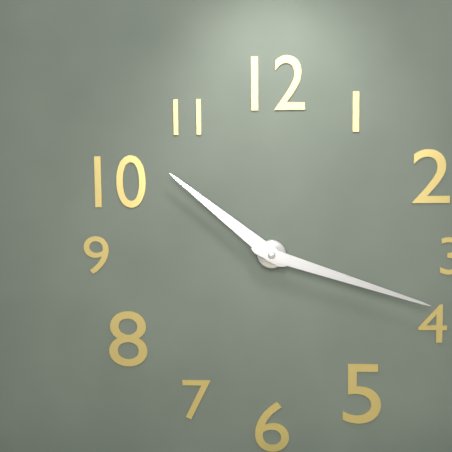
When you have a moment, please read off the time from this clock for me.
10:18
